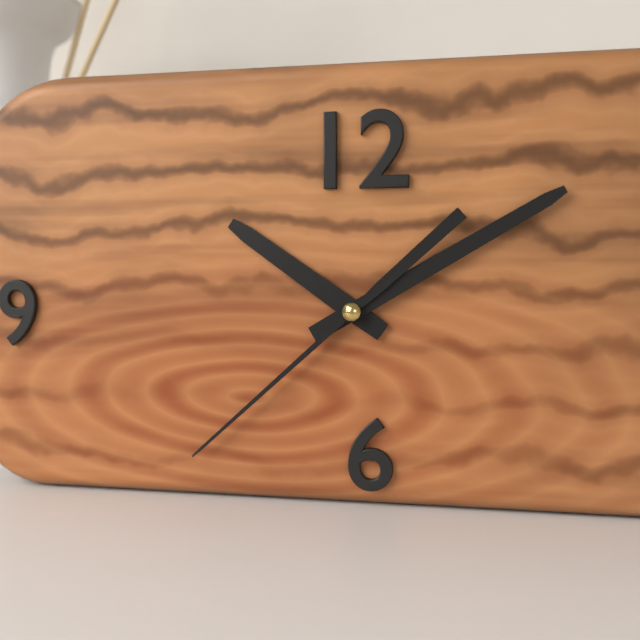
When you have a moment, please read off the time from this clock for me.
10:10:38
